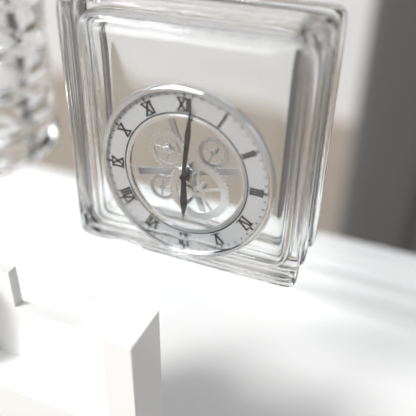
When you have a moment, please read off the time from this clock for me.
6:01
